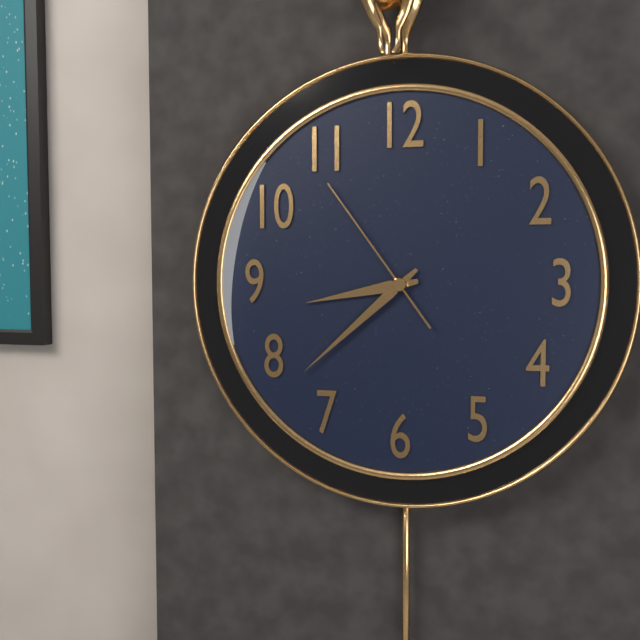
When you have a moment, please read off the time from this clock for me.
8:38:54
